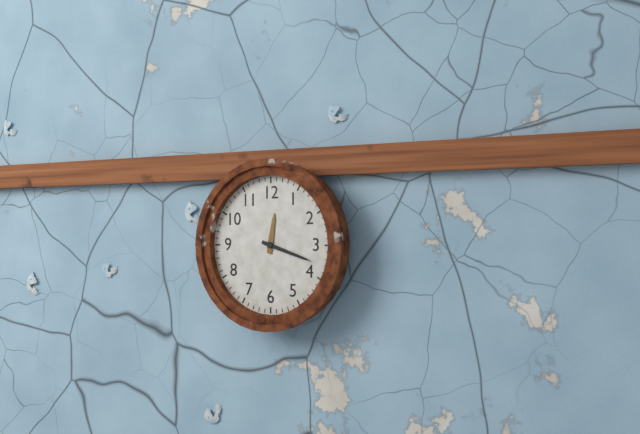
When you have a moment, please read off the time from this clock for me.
12:18
